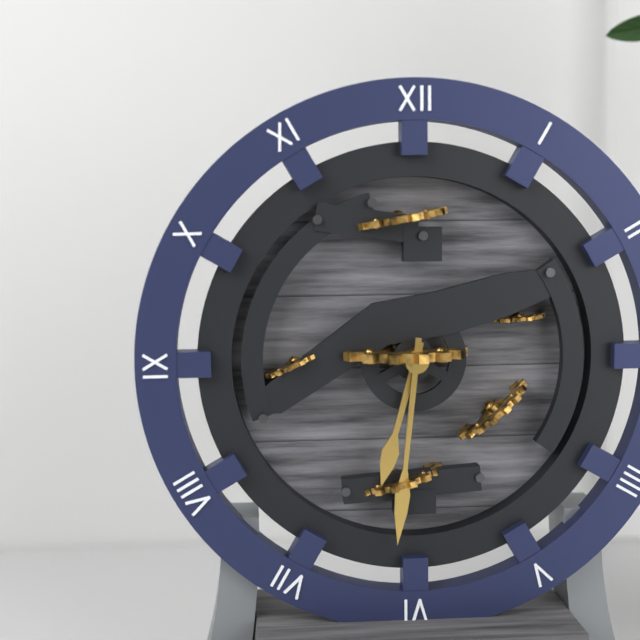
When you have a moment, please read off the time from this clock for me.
6:31
